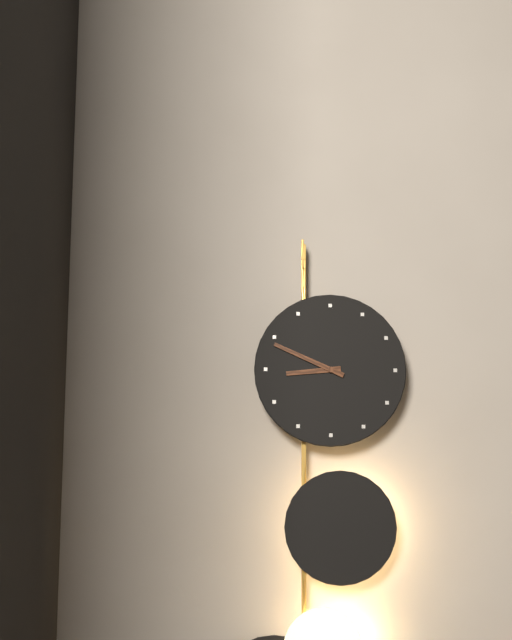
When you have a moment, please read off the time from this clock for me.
8:49
